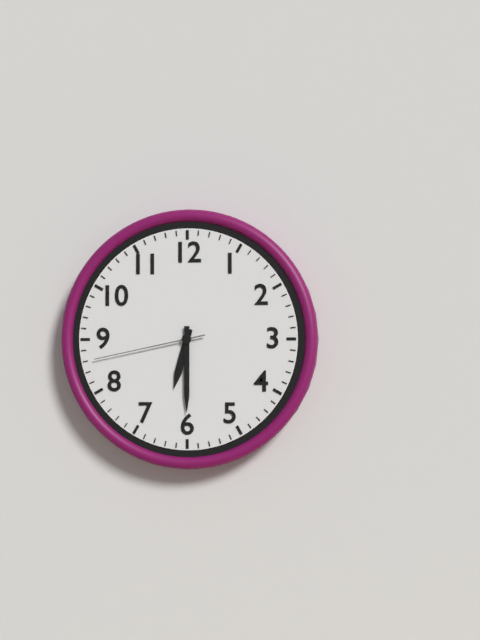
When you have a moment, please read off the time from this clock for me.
6:30:43
